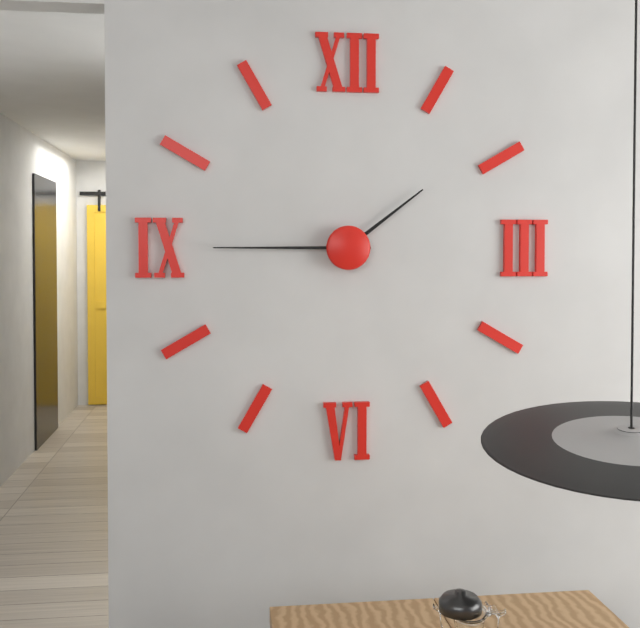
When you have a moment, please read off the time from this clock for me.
1:45
